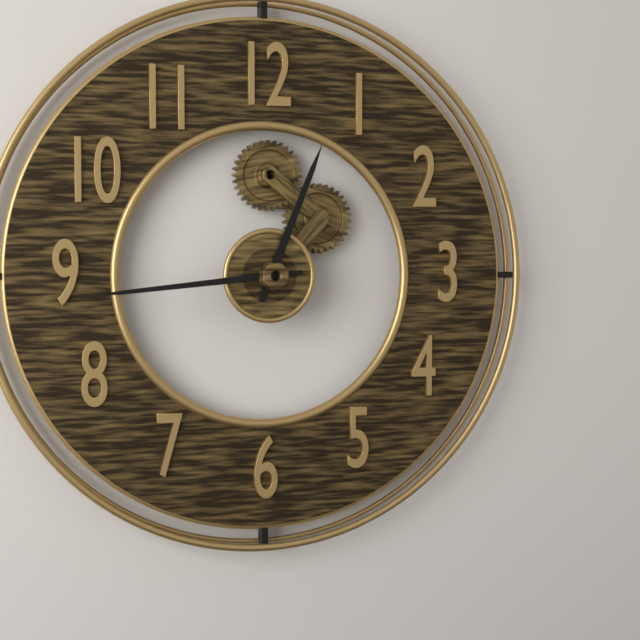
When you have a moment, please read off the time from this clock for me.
12:44
